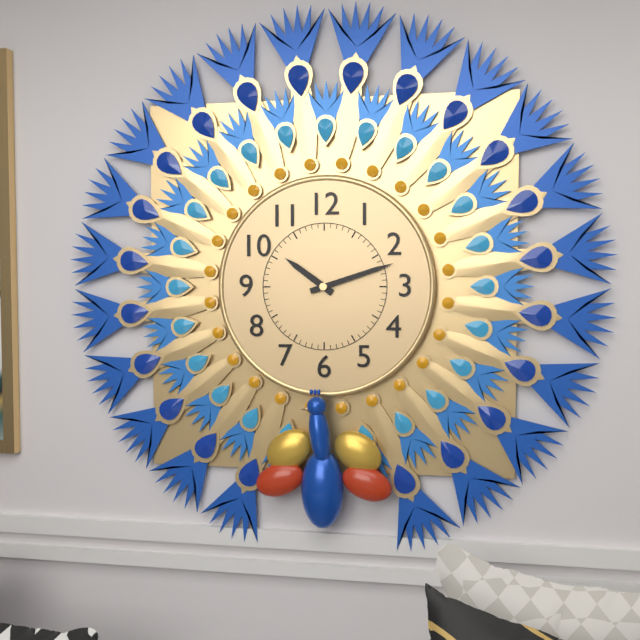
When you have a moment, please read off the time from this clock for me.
10:12
